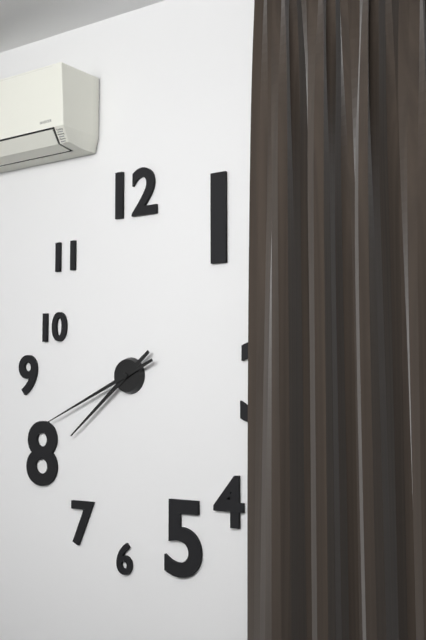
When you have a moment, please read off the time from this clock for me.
7:41
